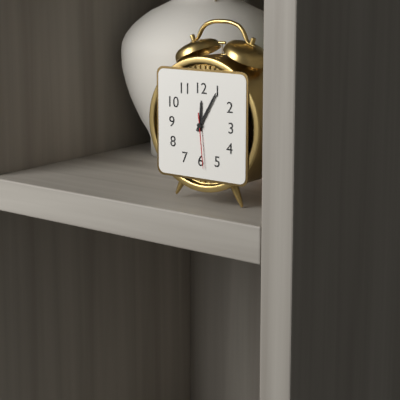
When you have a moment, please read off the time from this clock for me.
12:05:29
